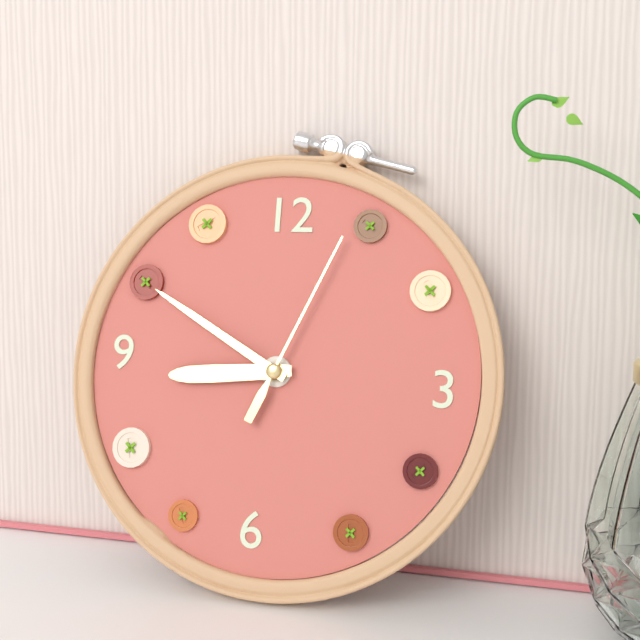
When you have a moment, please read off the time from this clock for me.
8:50:04
